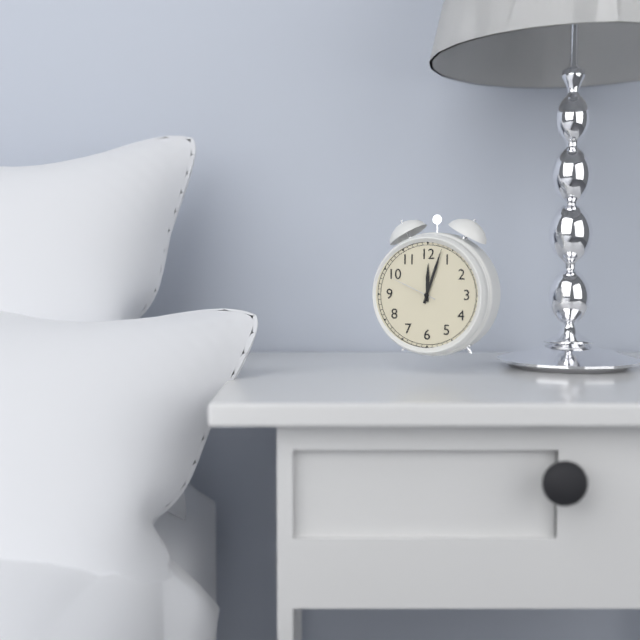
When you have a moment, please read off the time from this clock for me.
12:03:49
